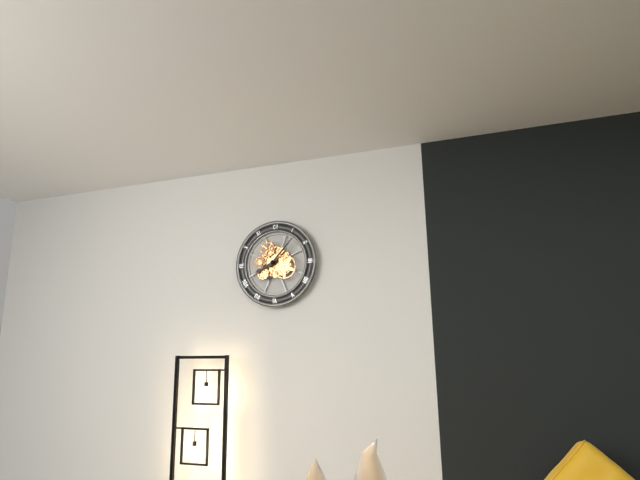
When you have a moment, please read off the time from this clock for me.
8:07
